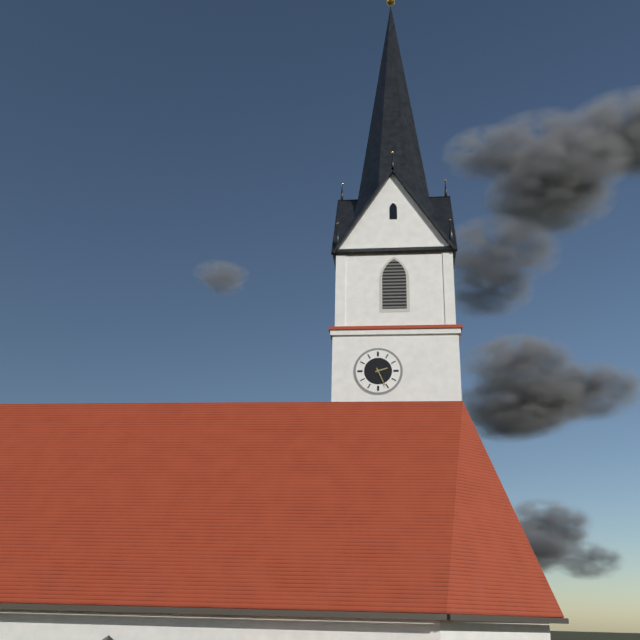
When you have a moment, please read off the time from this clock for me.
2:26
